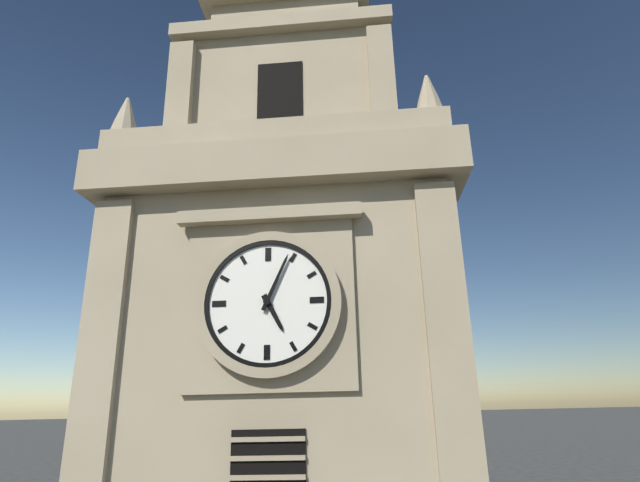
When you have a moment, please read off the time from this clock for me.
5:04
